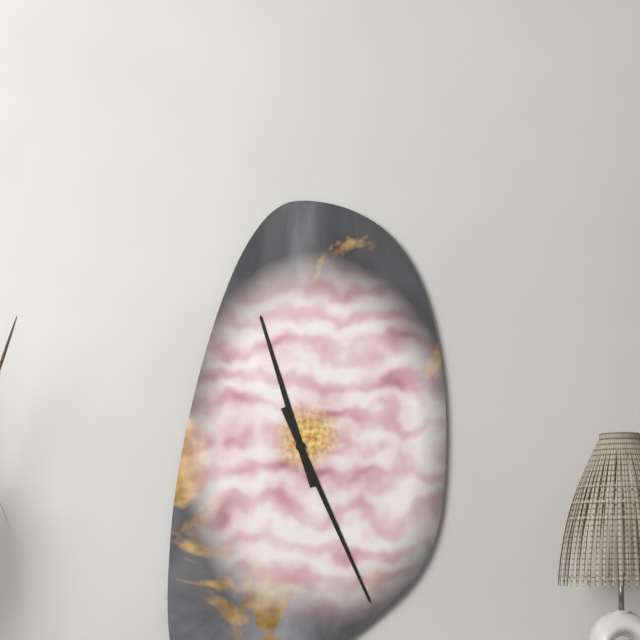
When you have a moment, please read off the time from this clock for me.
11:26
